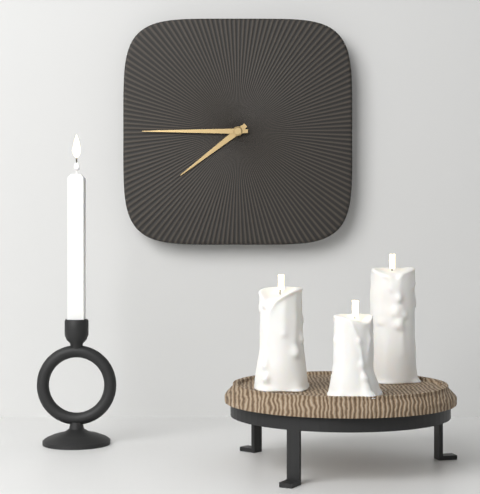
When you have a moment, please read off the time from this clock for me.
7:45
